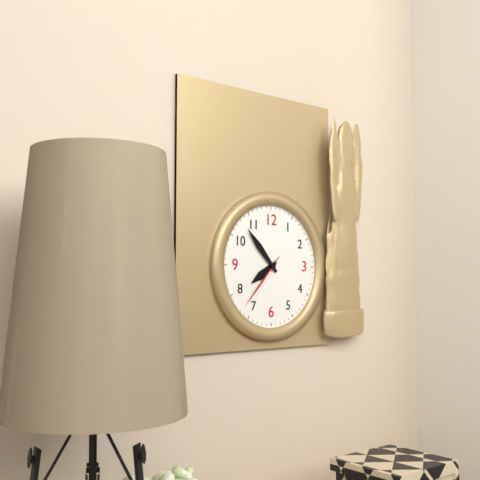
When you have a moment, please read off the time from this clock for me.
7:53:37
